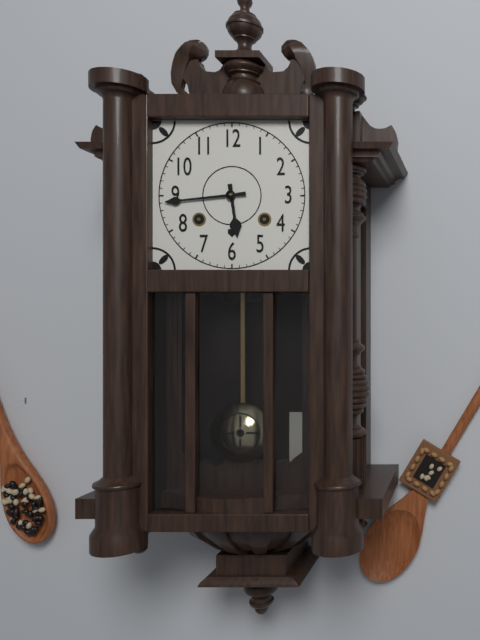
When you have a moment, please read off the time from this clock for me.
5:44
